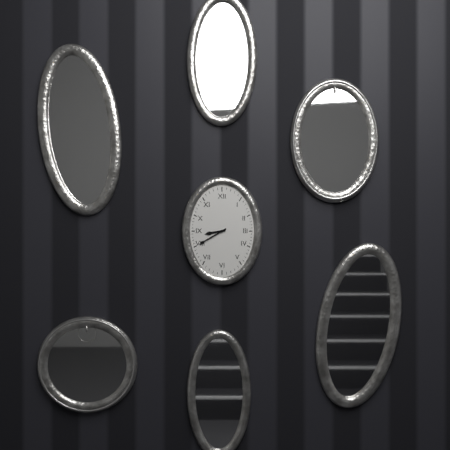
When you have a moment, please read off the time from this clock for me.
8:40
